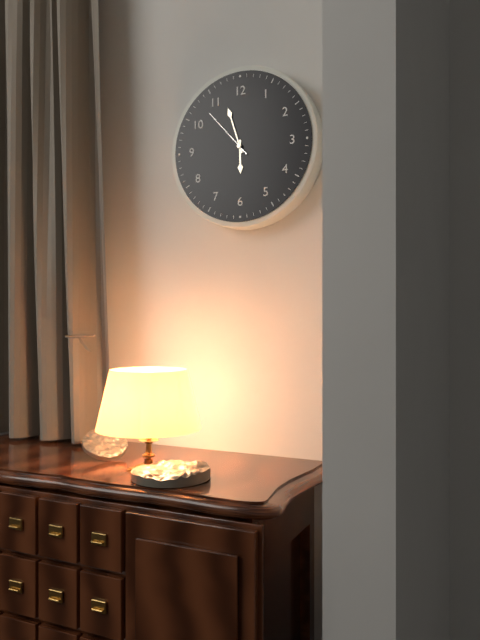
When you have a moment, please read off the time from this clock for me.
5:57:53
